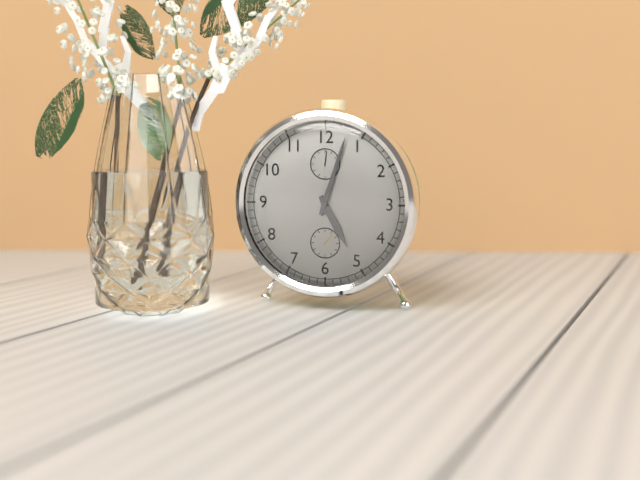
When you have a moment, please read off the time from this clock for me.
5:03
